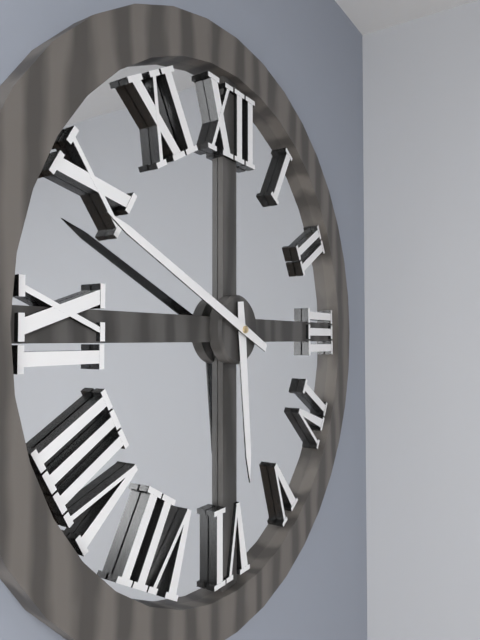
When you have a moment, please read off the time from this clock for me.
5:49
